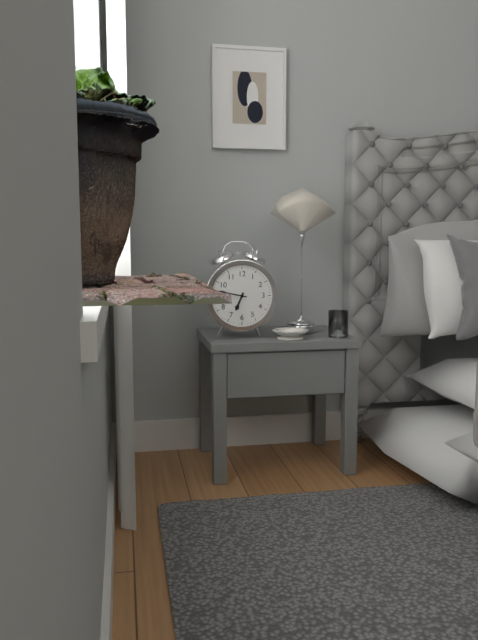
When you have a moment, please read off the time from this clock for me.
6:47
